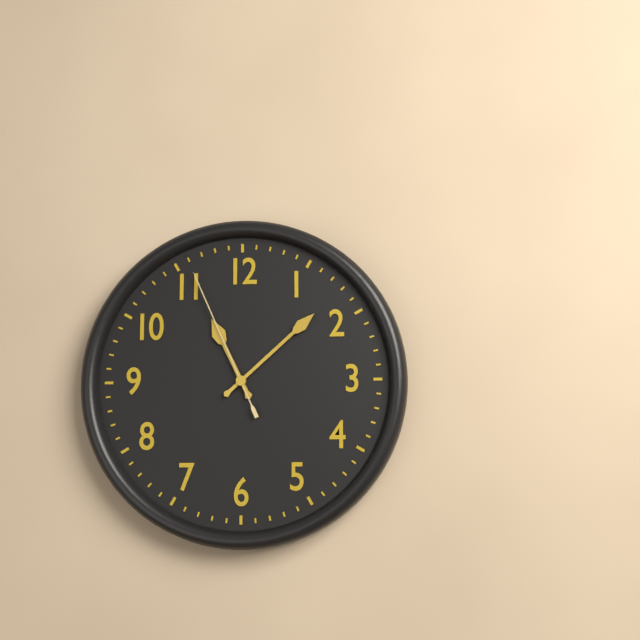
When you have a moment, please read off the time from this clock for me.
11:08:56
